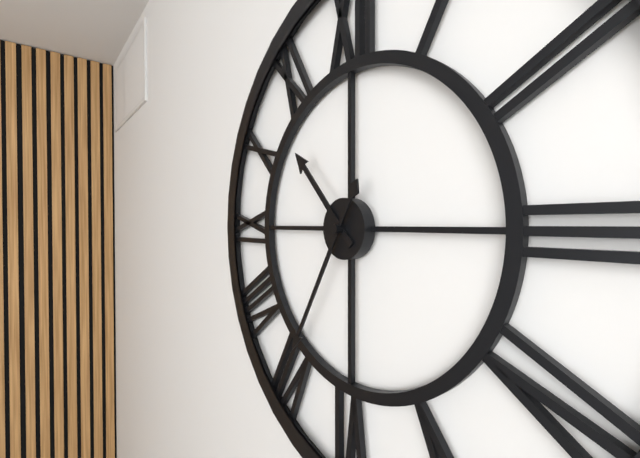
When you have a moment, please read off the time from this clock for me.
10:35
